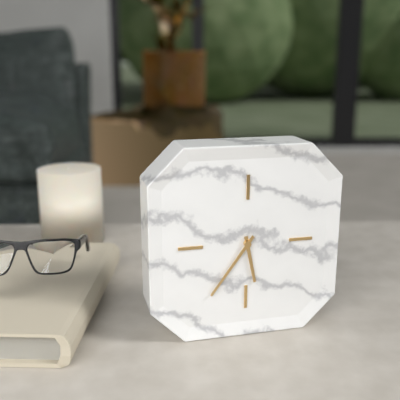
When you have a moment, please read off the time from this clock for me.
5:36
